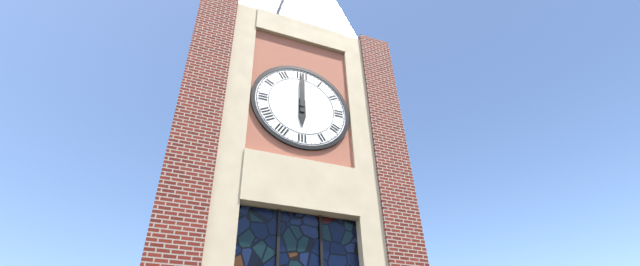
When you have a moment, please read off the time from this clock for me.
6:00
